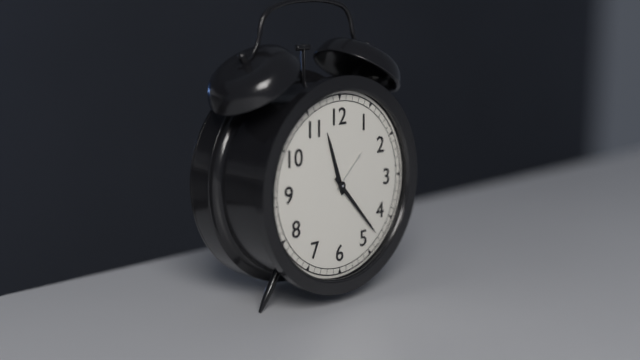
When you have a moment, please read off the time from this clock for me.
11:23
